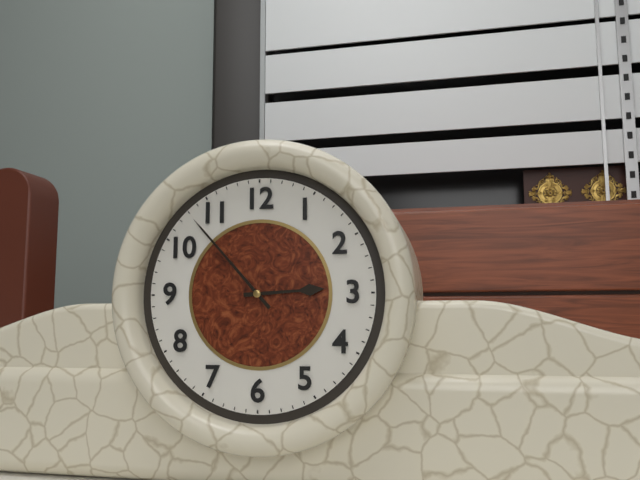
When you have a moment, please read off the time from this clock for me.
2:53
